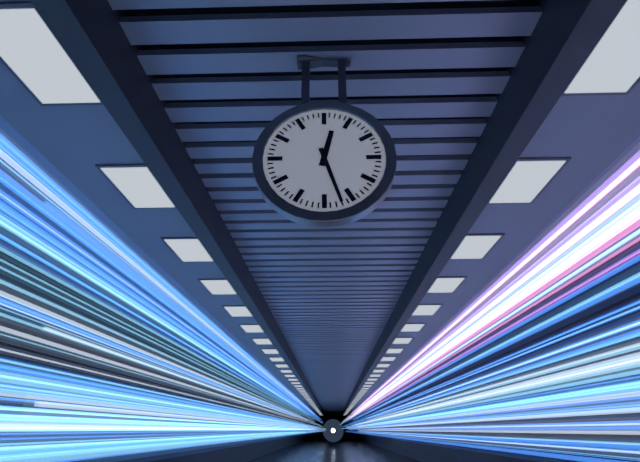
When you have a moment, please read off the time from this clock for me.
12:27
